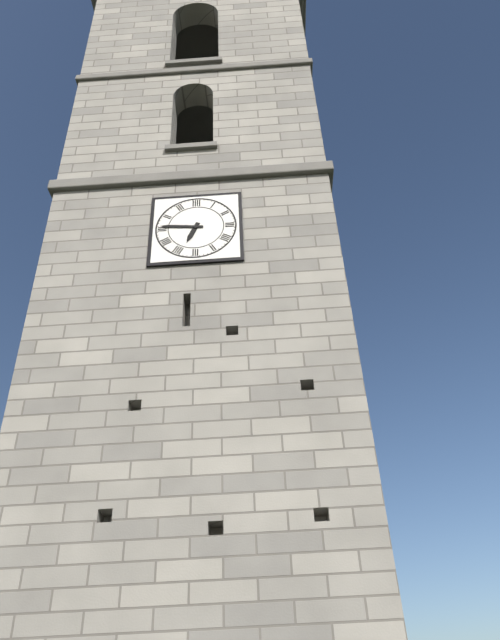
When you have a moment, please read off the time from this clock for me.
6:46
